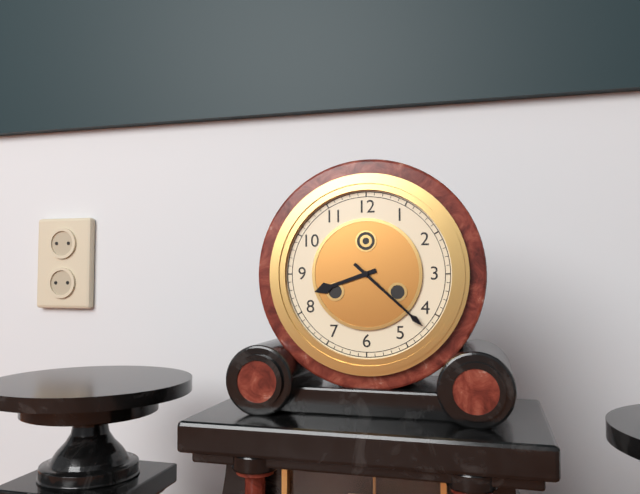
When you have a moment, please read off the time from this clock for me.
8:22
